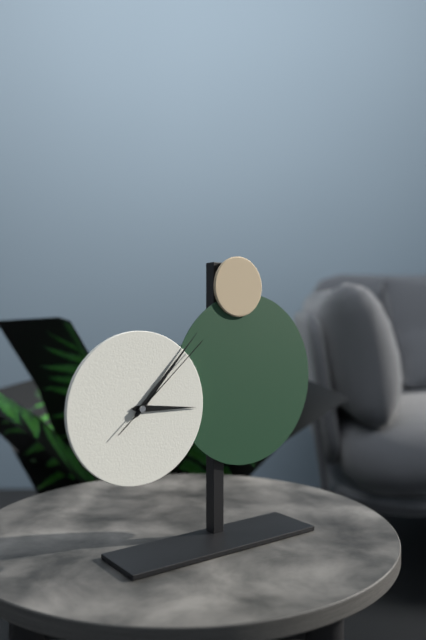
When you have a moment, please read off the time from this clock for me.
3:07:08
